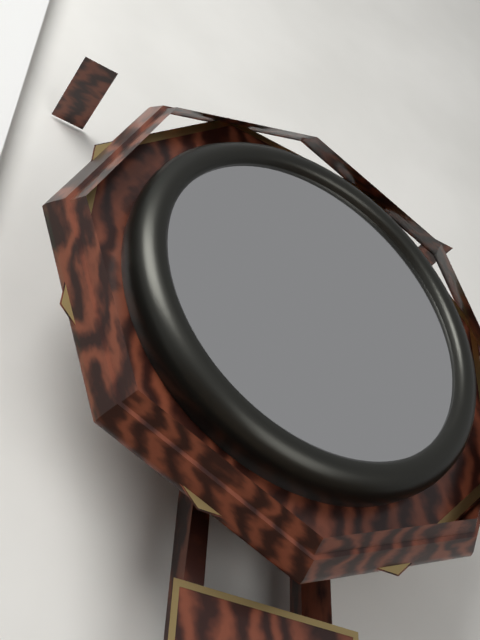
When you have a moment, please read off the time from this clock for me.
7:17
